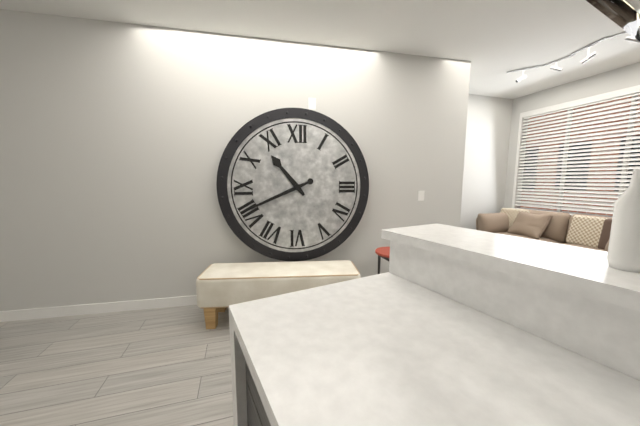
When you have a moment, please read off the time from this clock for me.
10:41
